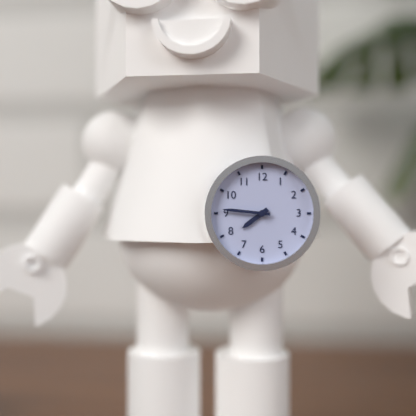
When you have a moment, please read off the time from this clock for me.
7:46
